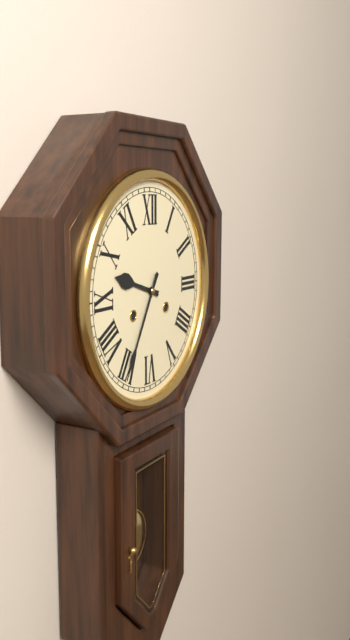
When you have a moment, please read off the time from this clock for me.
9:35
